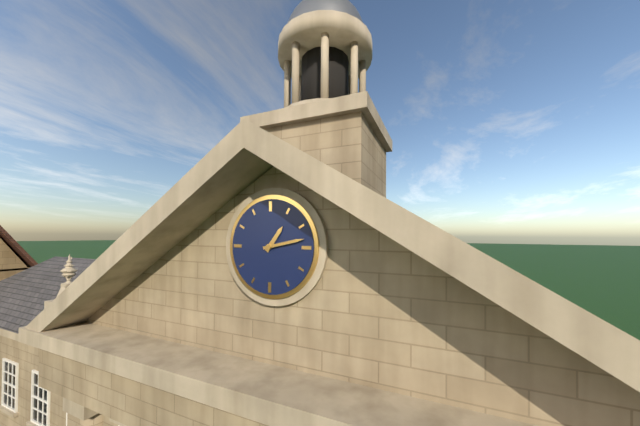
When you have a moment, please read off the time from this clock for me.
1:13
